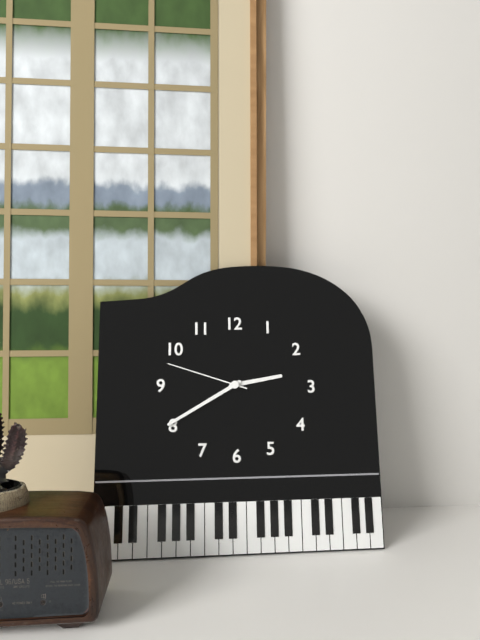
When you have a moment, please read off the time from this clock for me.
2:40:48
